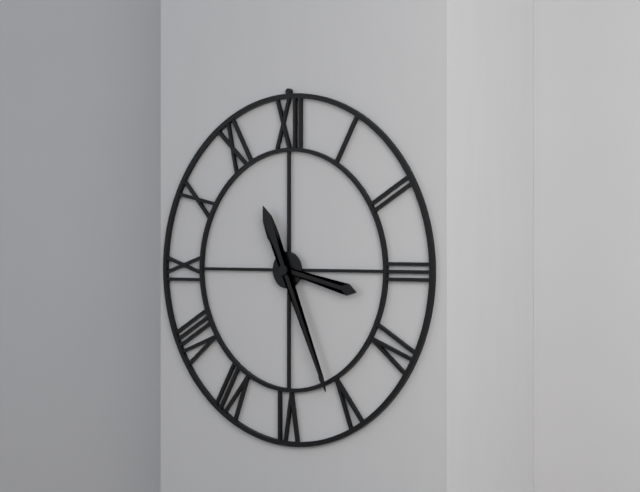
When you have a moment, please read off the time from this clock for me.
3:26
